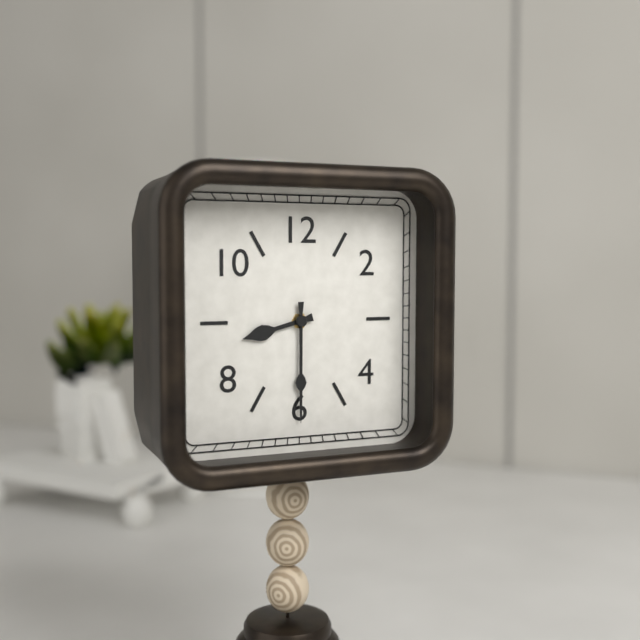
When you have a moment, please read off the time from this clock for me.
8:30
